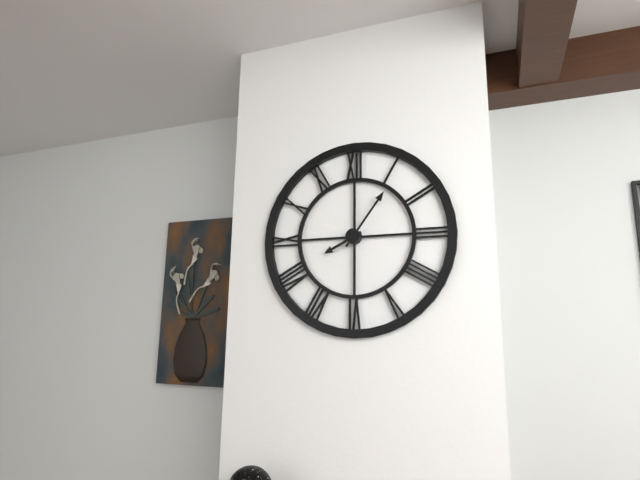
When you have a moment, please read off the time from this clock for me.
8:06
